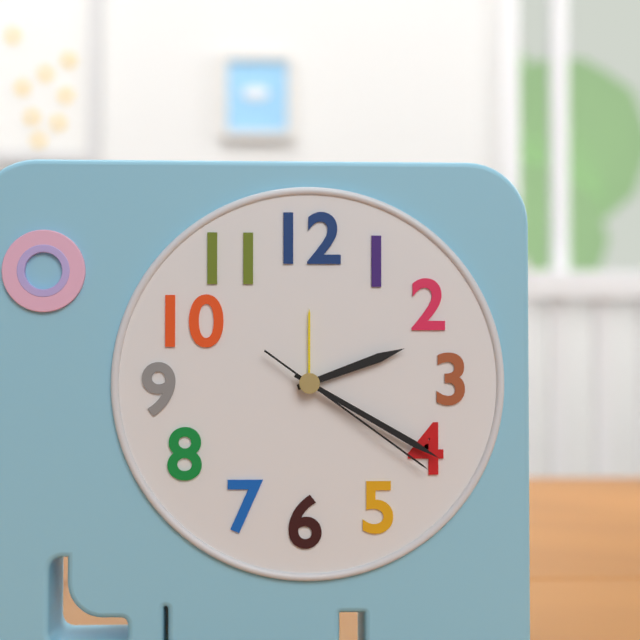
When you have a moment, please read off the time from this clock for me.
2:20:21
